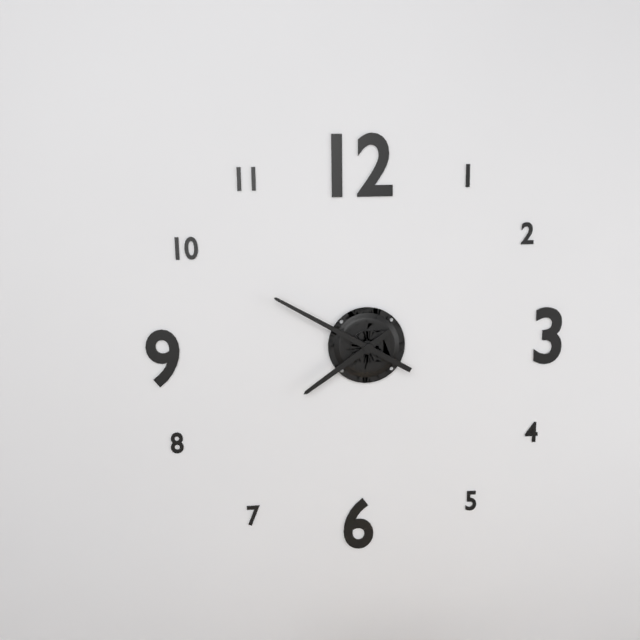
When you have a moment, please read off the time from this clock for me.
7:50
